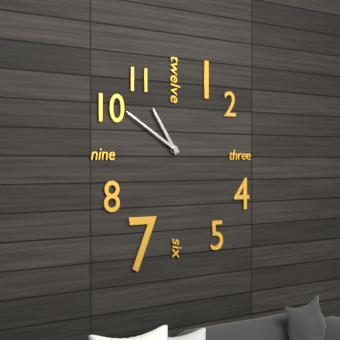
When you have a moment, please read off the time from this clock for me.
10:50
